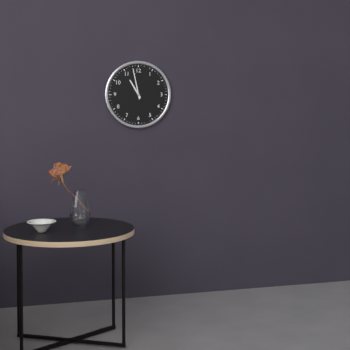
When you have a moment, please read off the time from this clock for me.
10:58
